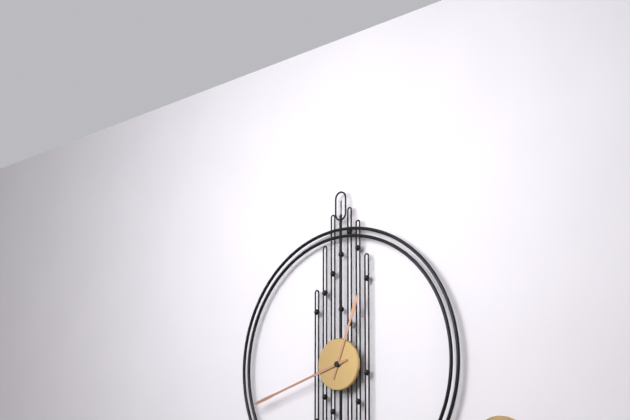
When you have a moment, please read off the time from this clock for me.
12:42
